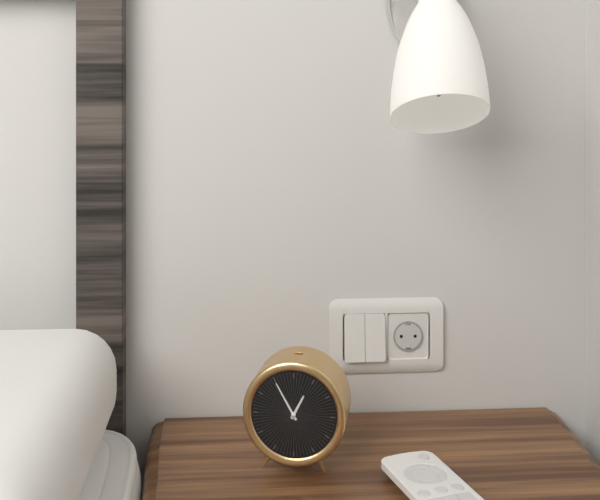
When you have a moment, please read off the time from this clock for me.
12:55
